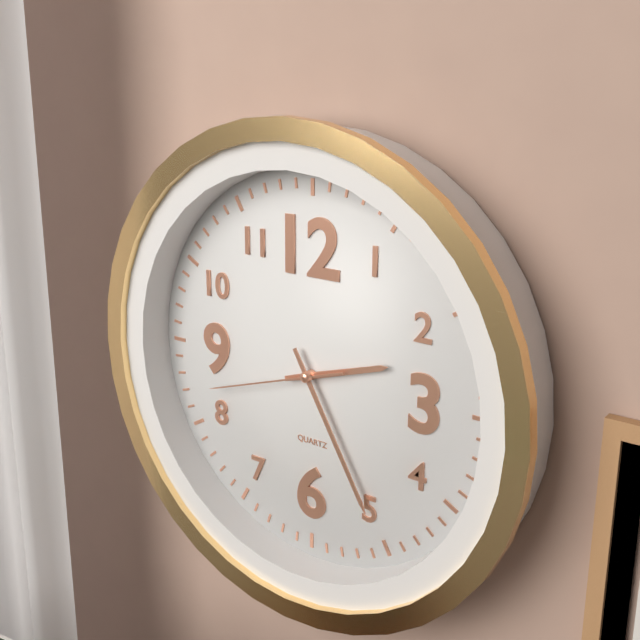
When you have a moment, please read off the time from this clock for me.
2:25:42
